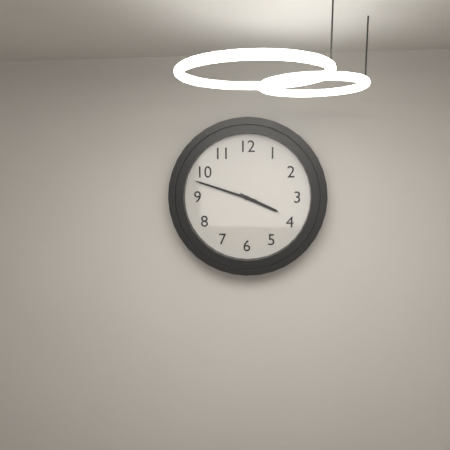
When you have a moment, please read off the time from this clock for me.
3:48
